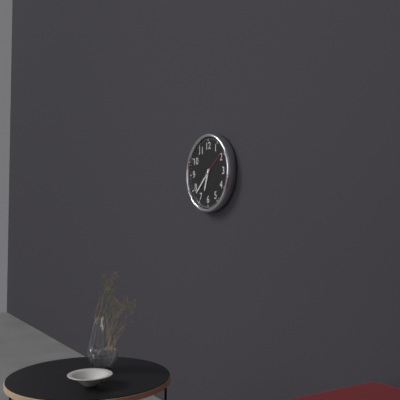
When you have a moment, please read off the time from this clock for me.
6:38
